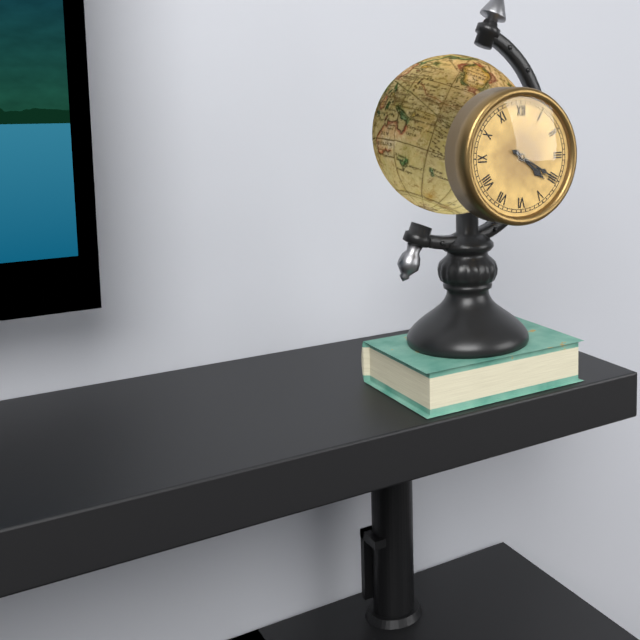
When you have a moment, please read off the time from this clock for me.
4:20
